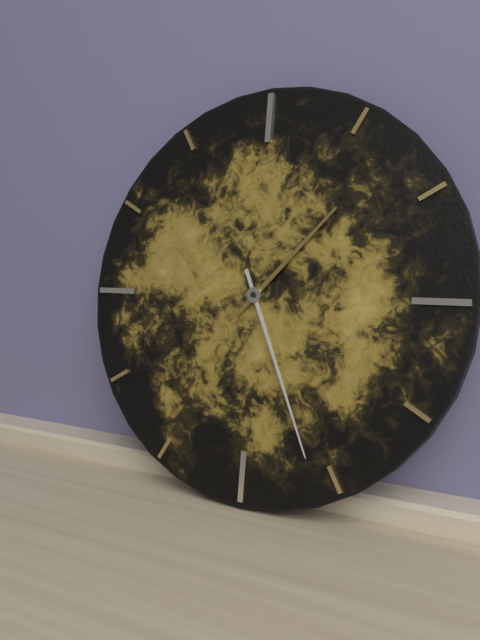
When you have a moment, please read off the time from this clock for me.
1:26
